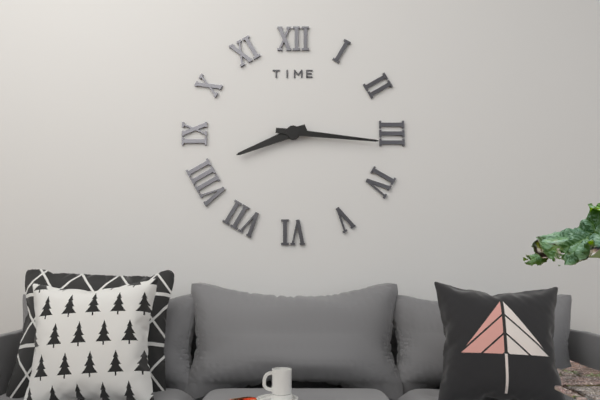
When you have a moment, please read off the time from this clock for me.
8:16
